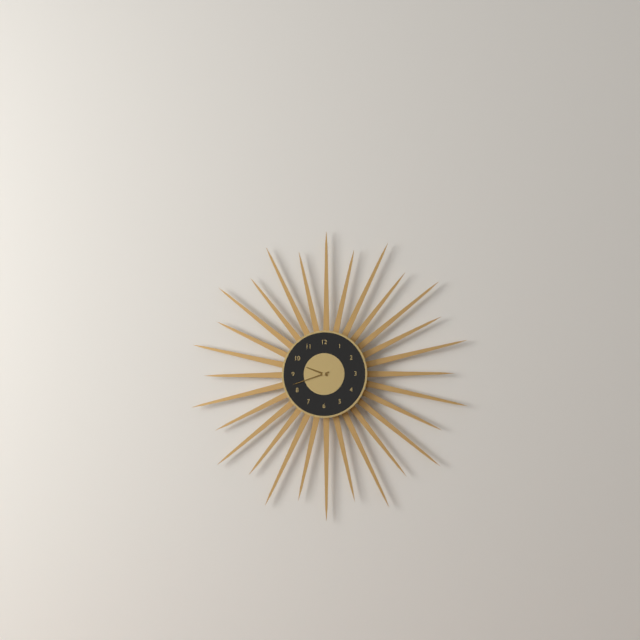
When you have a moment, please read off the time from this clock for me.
9:42
